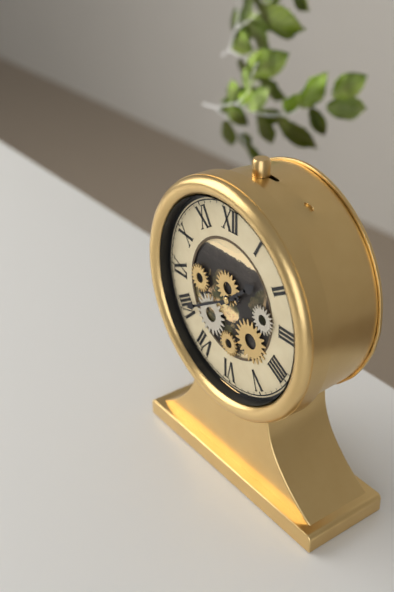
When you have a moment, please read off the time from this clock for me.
1:40
